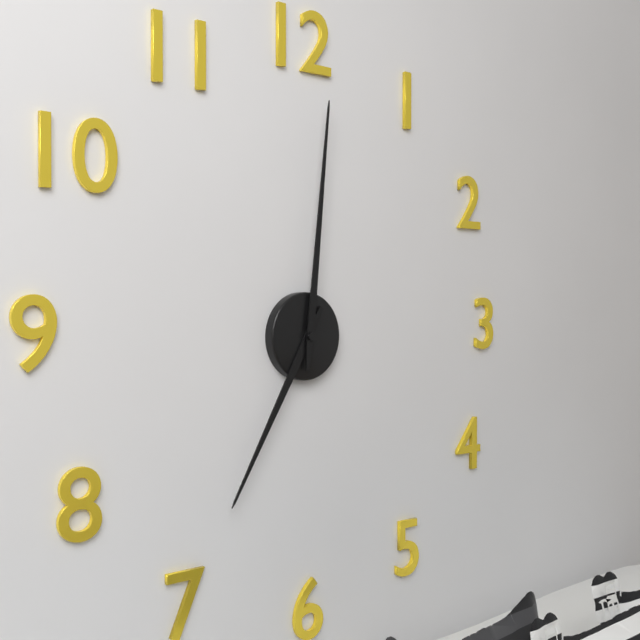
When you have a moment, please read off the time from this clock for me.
7:01
